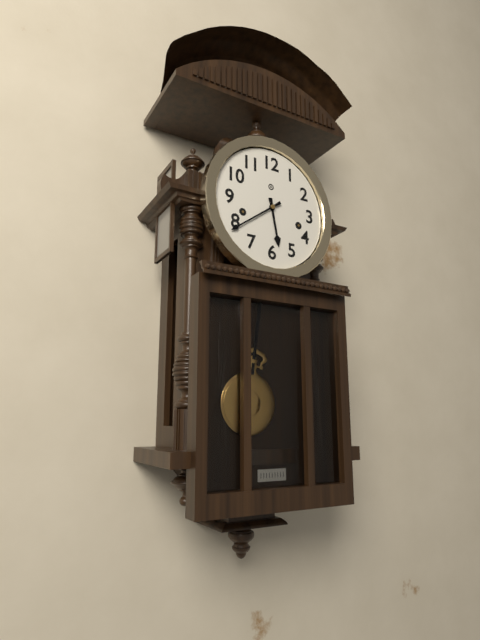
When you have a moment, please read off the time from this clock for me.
5:39
